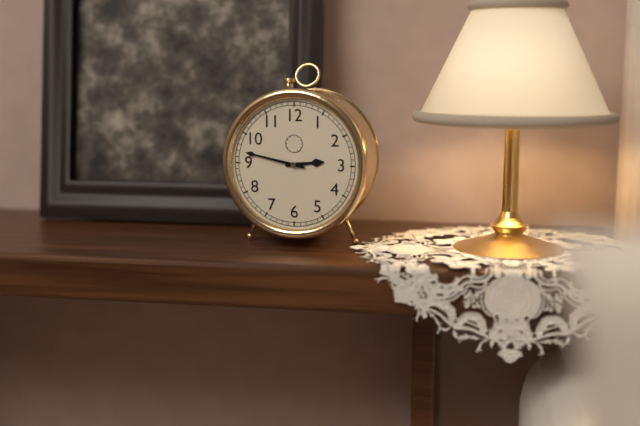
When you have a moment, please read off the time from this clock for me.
2:47
